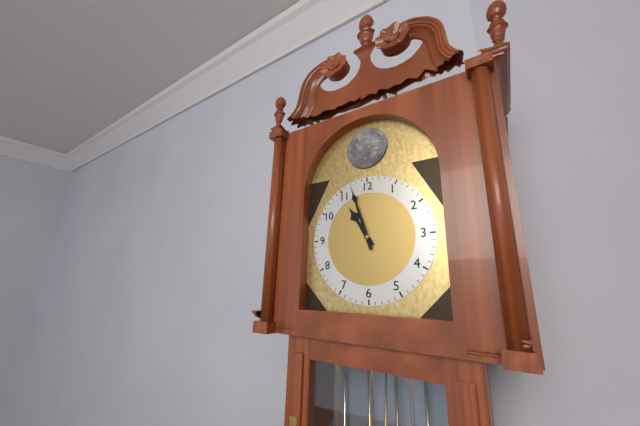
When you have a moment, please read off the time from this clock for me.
10:57
